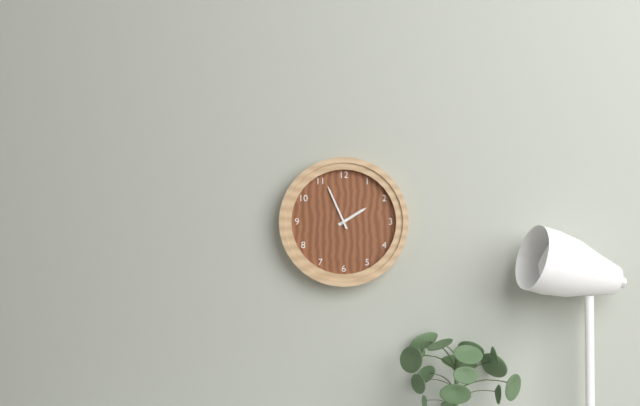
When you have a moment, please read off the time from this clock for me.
1:56
